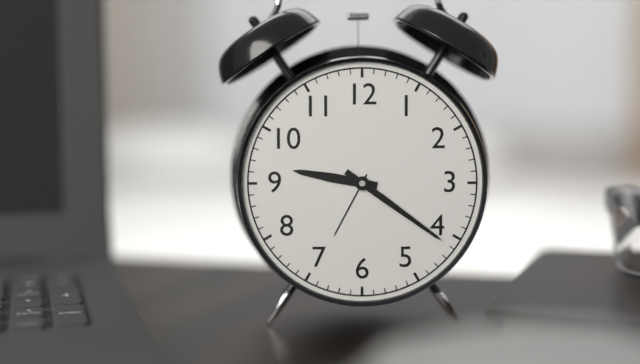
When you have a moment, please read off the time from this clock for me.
9:21
